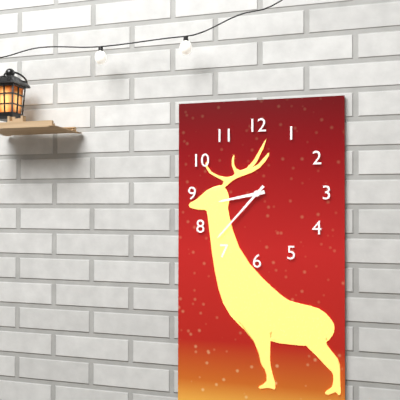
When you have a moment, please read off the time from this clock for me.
8:37
